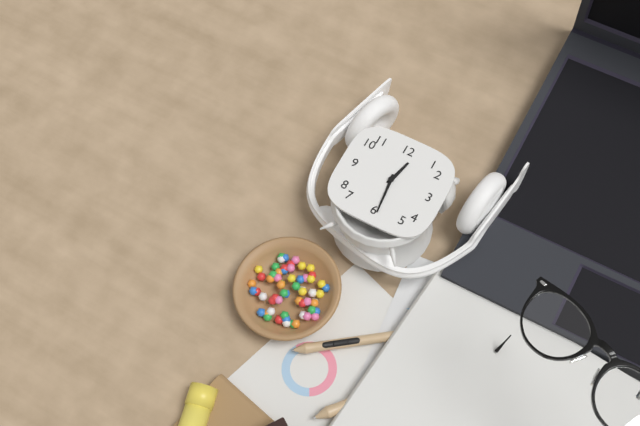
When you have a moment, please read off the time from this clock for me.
12:29
